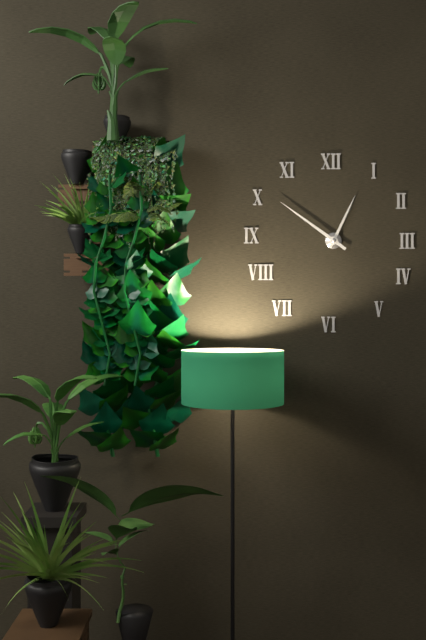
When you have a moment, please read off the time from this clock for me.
12:51
